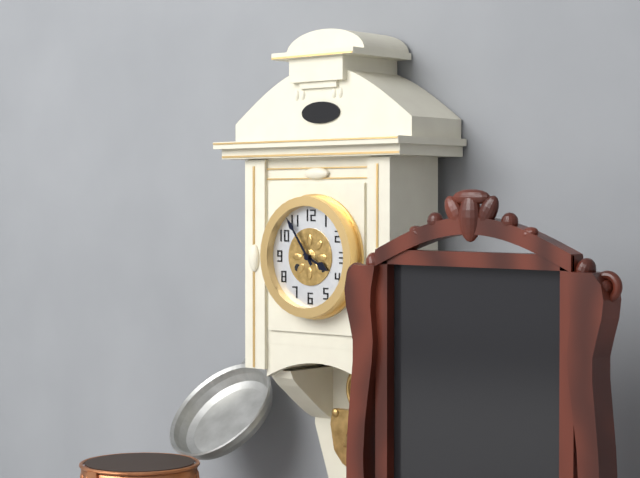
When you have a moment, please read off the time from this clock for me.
3:54
